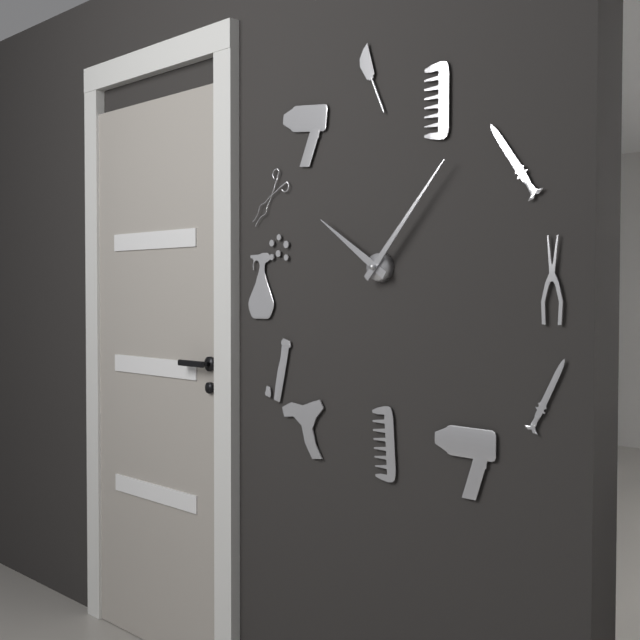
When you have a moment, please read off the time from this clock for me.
10:07
